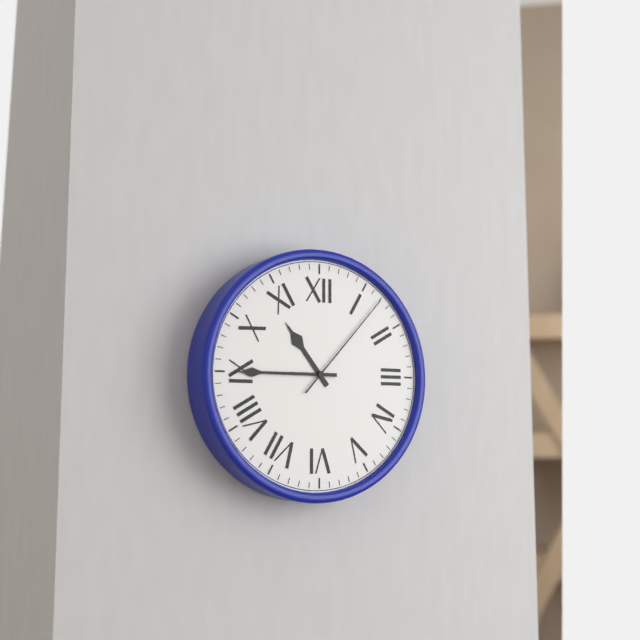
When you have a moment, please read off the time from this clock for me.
10:45:07
